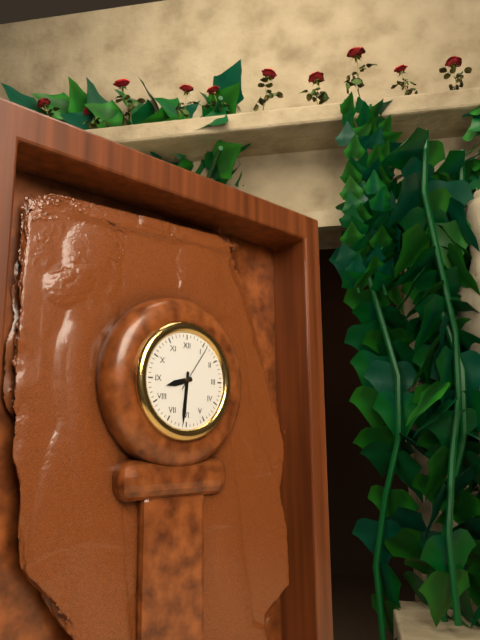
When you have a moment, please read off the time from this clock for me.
8:31
